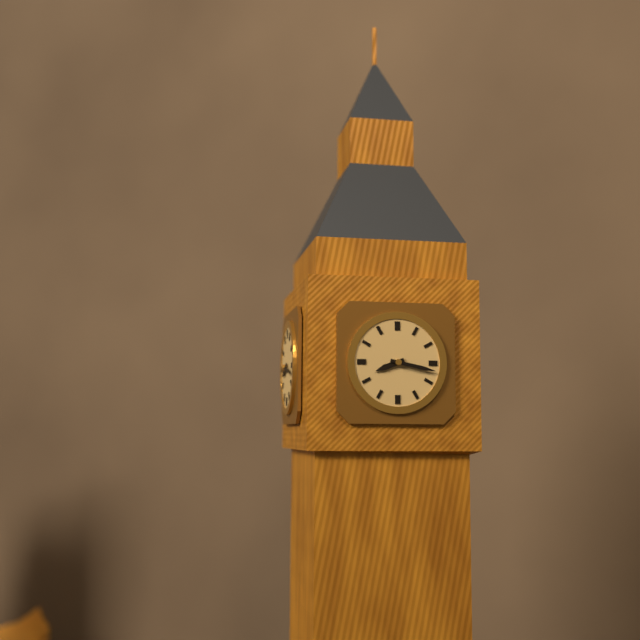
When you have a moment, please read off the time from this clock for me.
8:17
